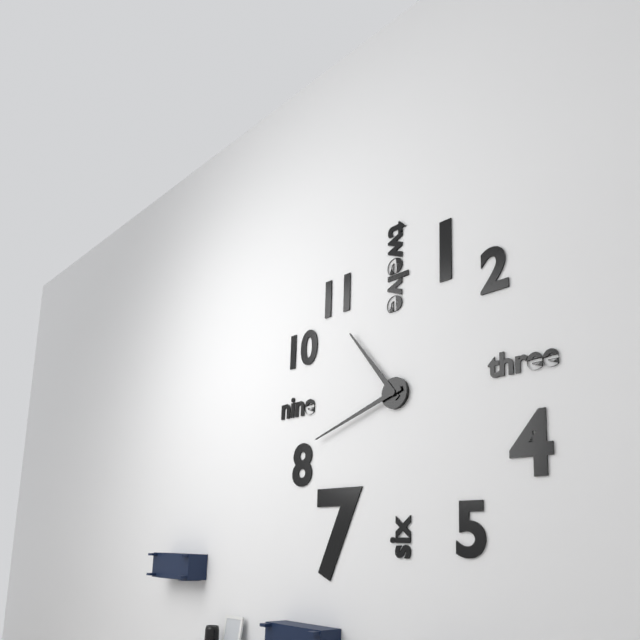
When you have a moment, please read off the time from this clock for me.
10:42
